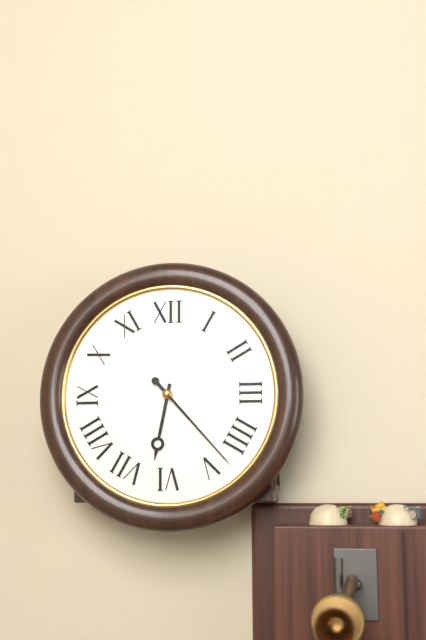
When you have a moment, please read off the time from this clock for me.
6:23
